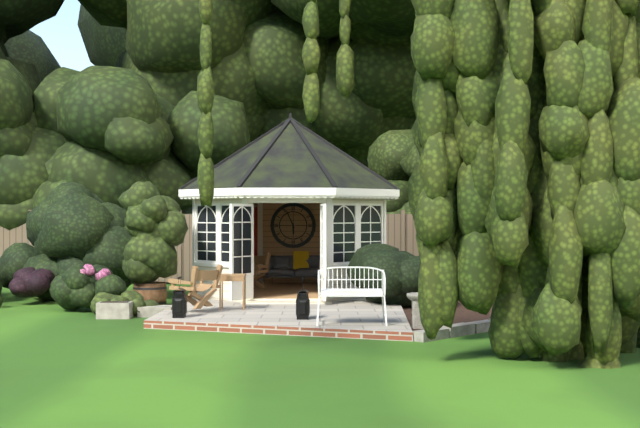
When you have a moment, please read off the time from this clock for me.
5:56
